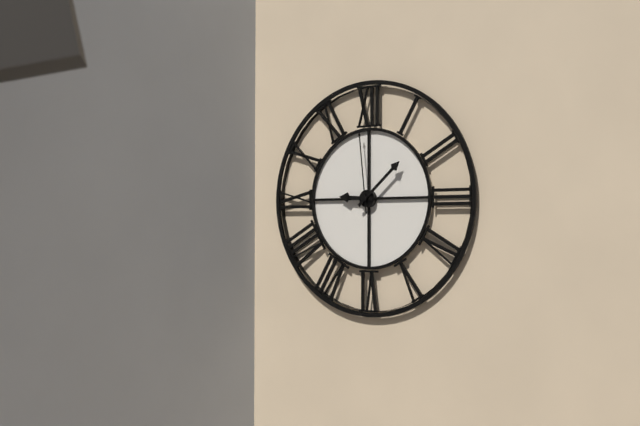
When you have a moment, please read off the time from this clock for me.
9:08:59
